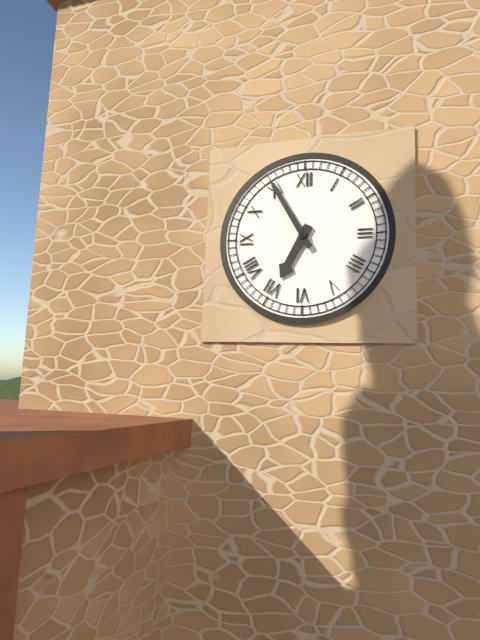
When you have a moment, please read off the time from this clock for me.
6:55
